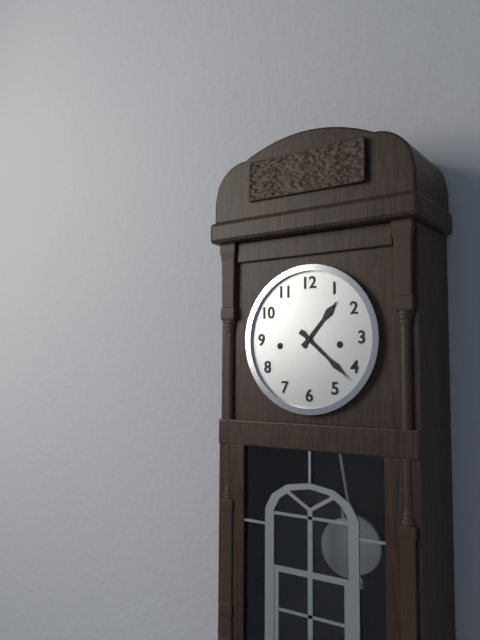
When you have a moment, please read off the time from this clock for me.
1:22
